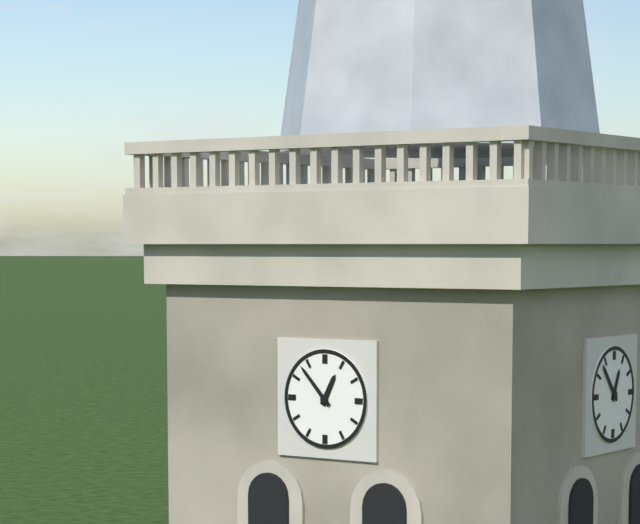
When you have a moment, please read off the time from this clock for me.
12:53
